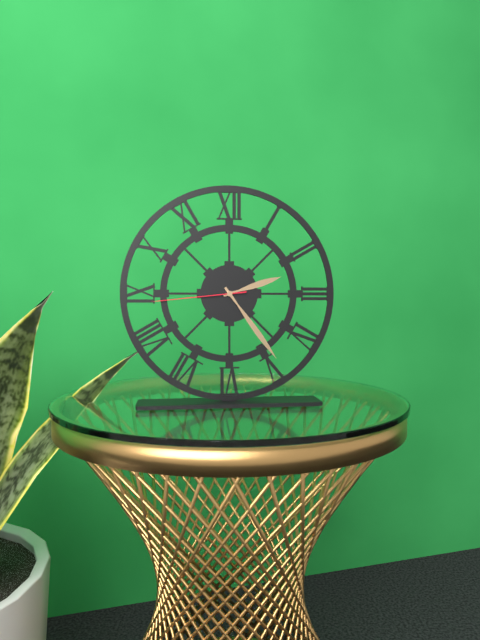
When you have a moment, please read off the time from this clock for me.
2:24:44
